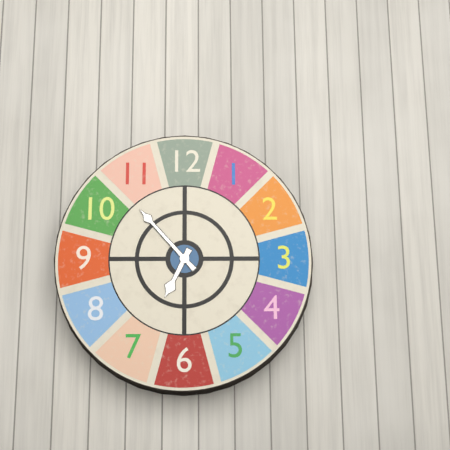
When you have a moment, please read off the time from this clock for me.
6:53
